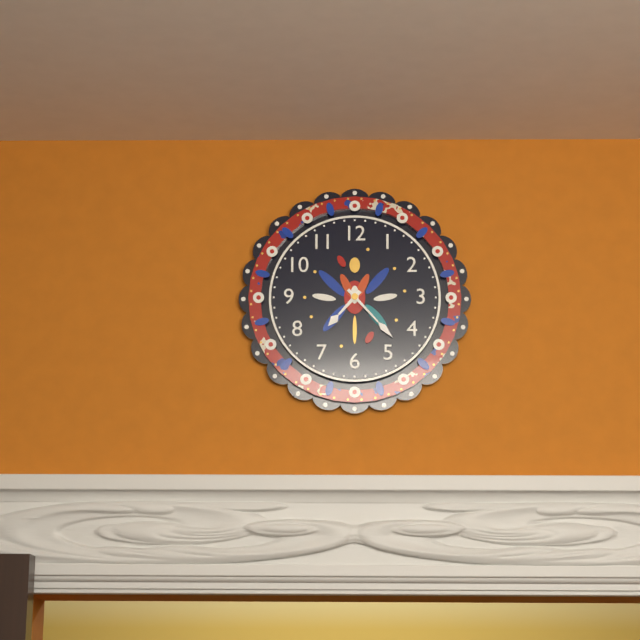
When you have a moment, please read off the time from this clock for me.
7:23
